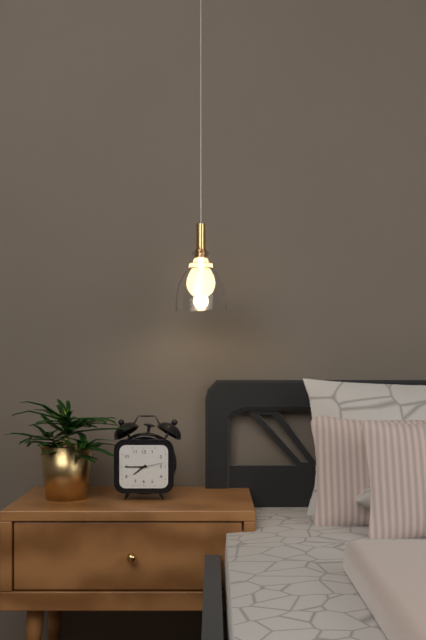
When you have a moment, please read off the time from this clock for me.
7:45
